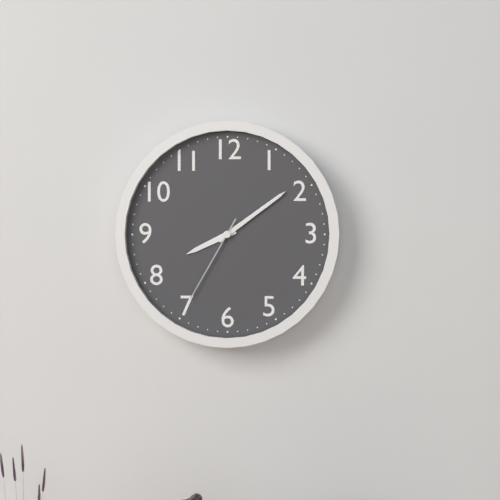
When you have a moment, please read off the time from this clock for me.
8:09:35
